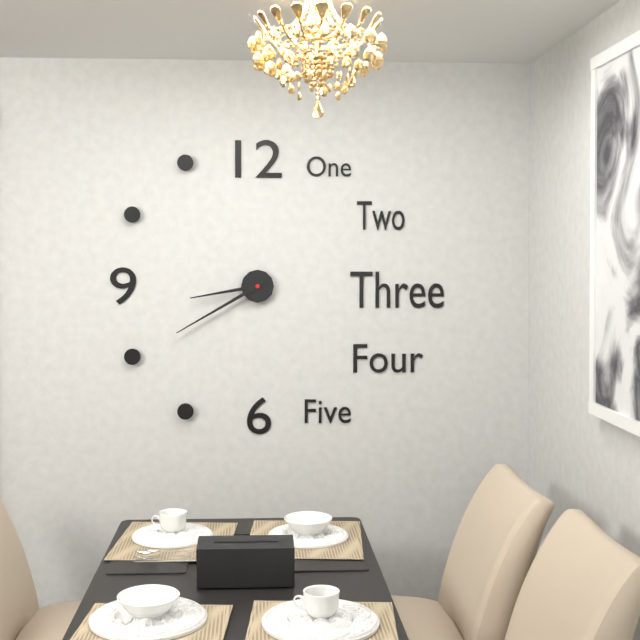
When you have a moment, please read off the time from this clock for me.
8:40
